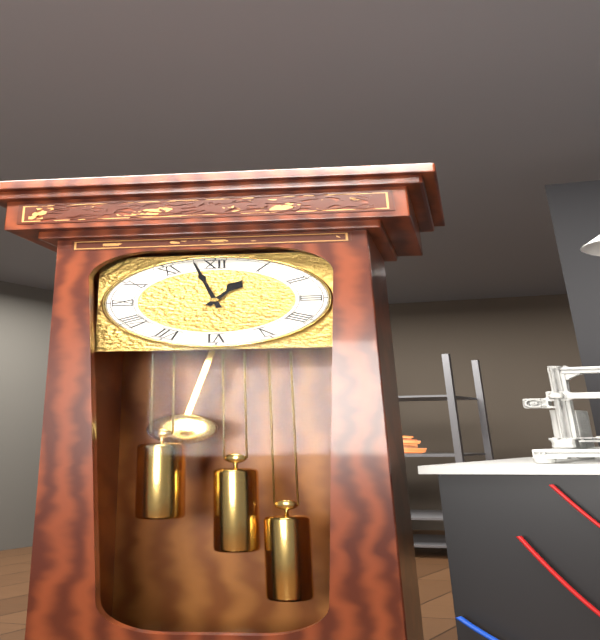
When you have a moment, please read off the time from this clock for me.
12:58
